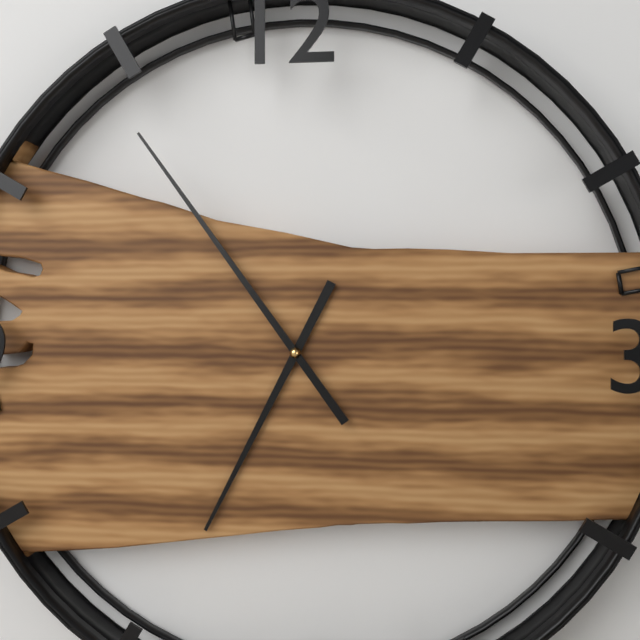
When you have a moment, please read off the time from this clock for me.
6:54
